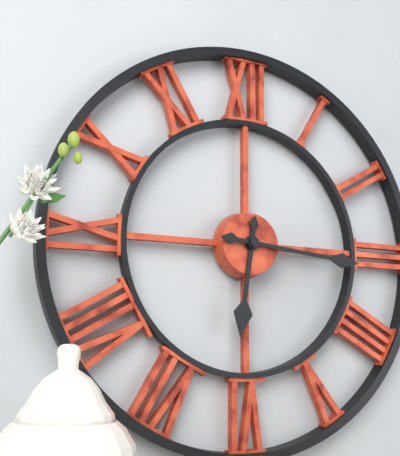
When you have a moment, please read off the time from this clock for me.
6:16
